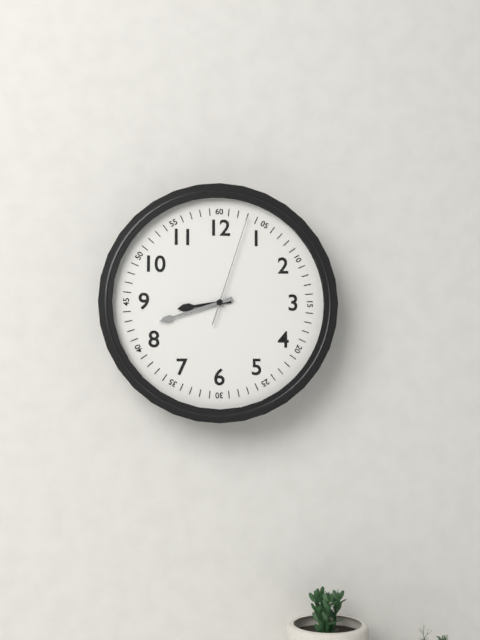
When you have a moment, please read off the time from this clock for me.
8:42:03
